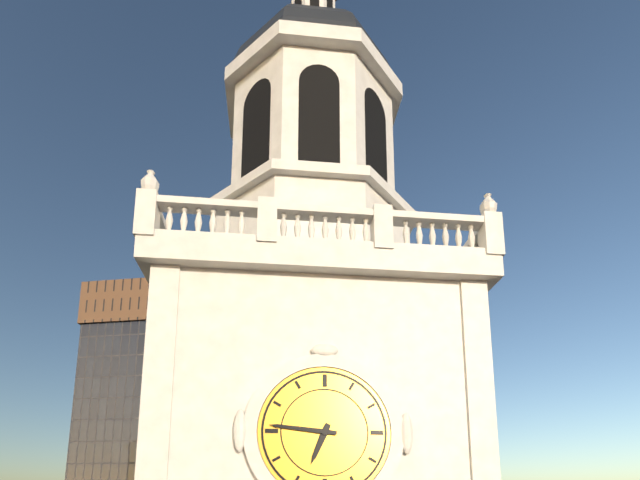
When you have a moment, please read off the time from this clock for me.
6:46
